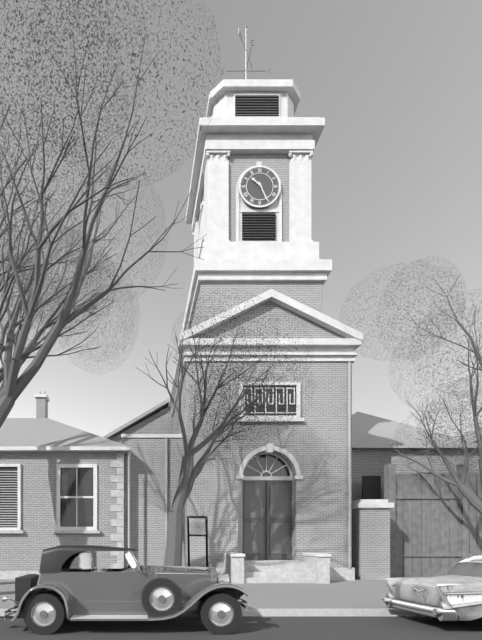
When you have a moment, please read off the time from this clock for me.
10:26
